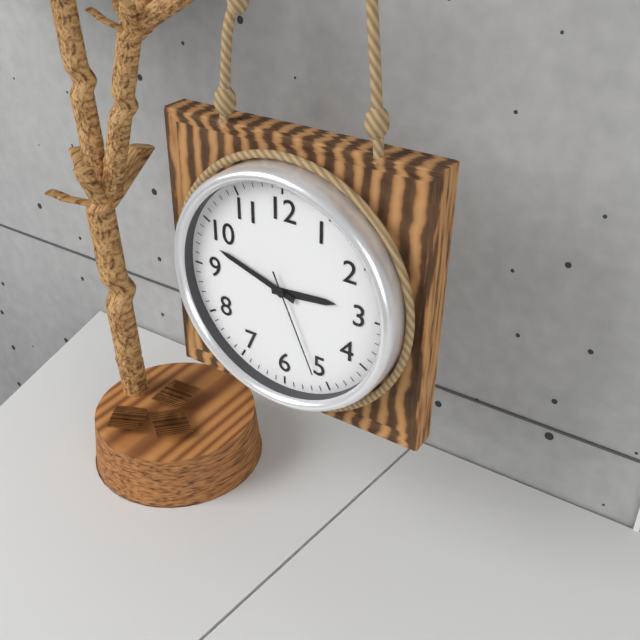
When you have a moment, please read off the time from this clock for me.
2:48:26
